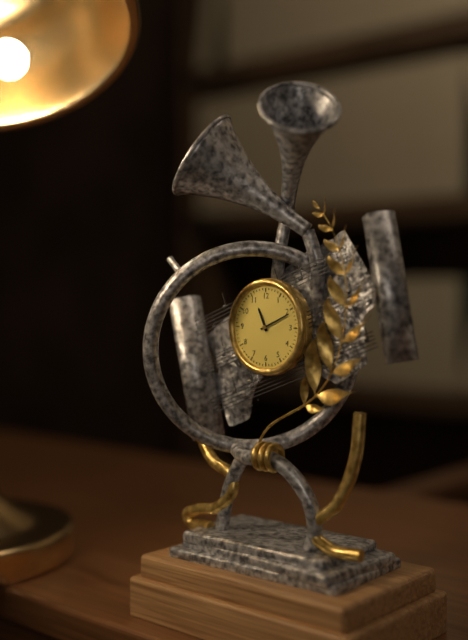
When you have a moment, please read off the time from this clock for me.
11:11
